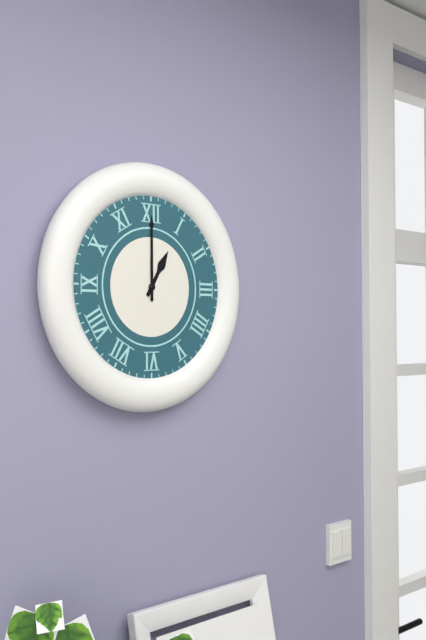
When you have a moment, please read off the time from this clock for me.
1:00
